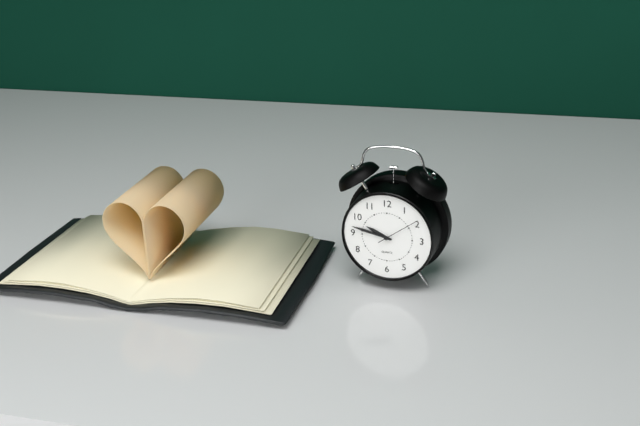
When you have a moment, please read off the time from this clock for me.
9:47
